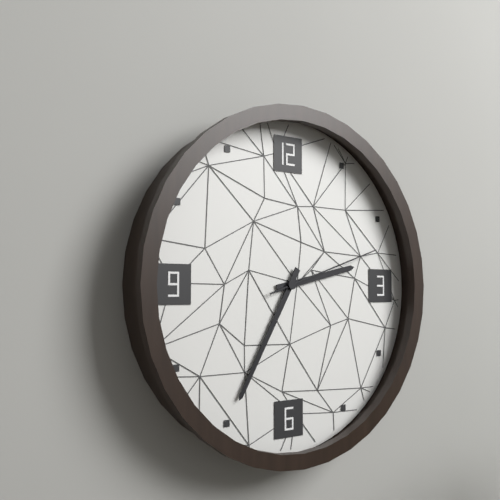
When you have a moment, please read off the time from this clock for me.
2:35:12
